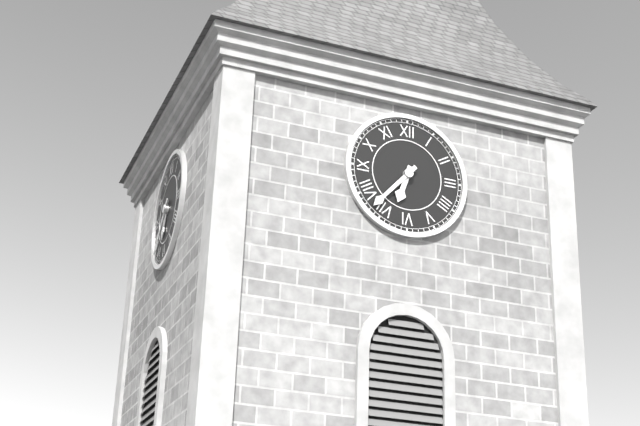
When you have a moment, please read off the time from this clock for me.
6:37
